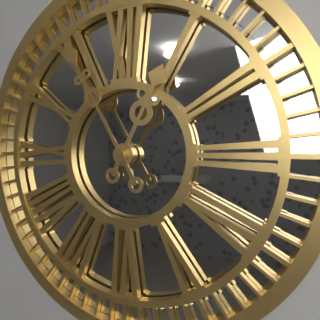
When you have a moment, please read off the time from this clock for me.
12:55
